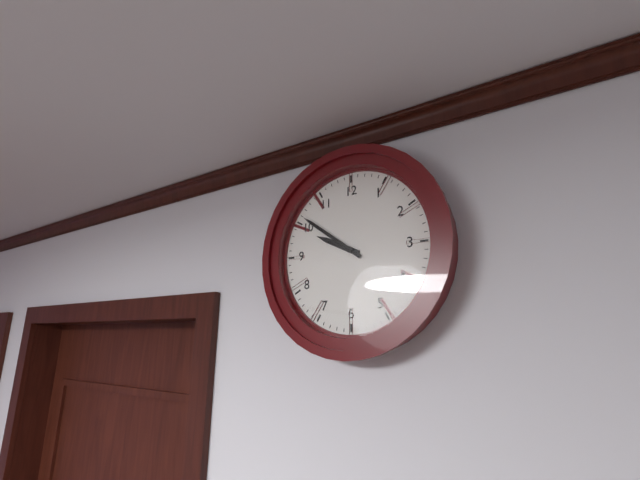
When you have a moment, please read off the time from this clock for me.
9:51
